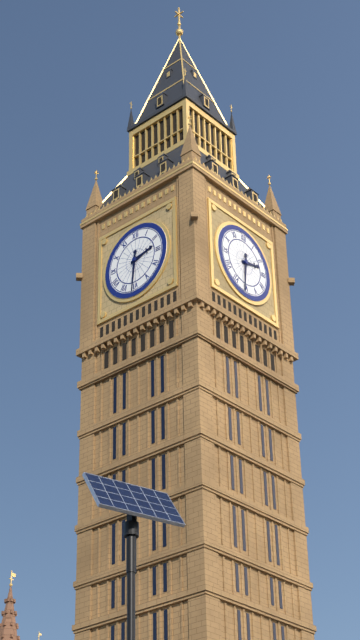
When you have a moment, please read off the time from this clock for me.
2:31
